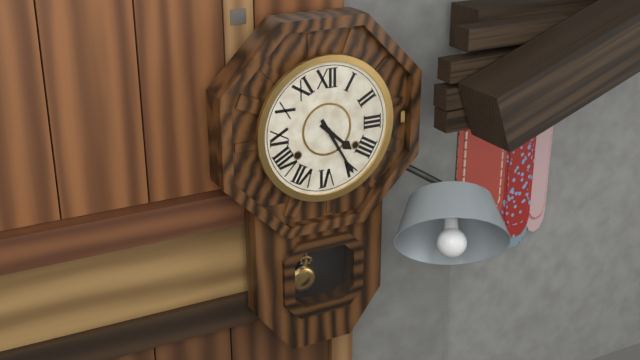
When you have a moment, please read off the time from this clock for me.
4:25
